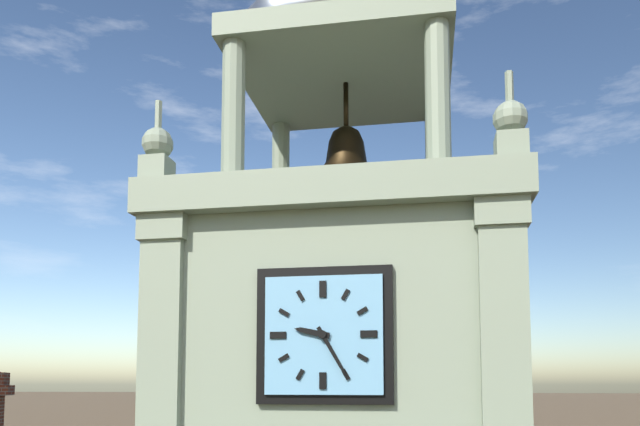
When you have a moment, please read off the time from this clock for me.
9:25
